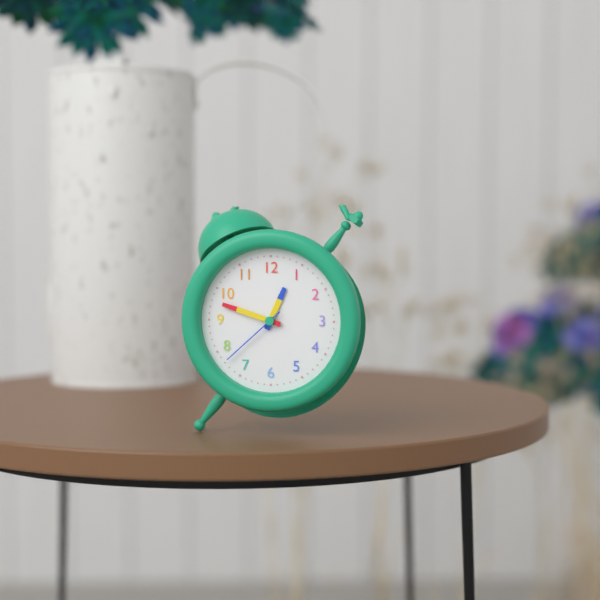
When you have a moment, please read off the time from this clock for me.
12:48:38
